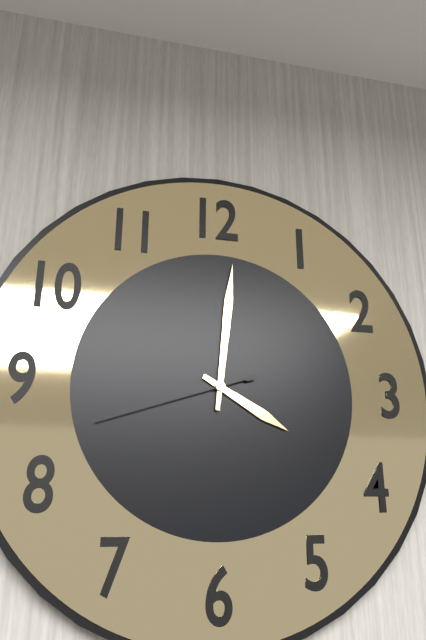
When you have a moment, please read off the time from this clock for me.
4:01:42
